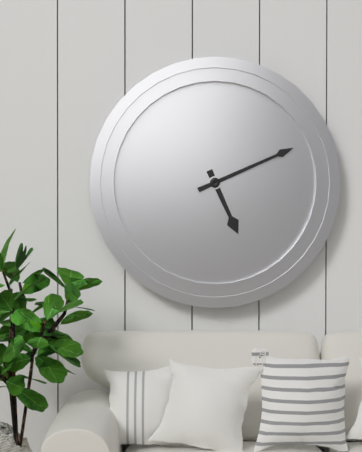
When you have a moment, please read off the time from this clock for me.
5:11
